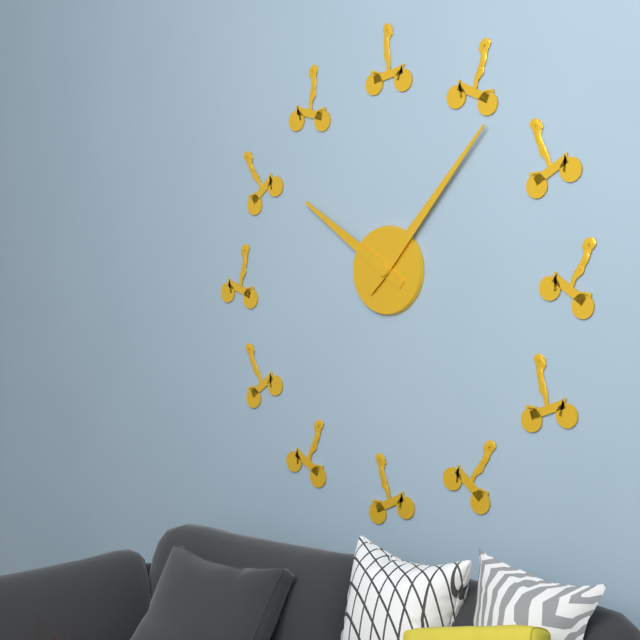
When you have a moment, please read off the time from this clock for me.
10:07
